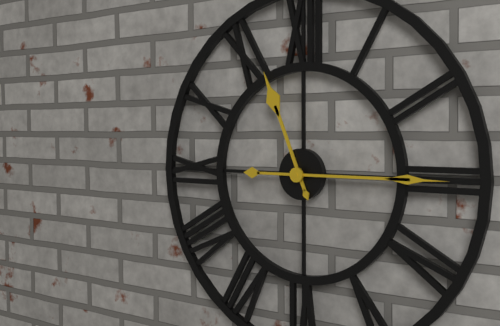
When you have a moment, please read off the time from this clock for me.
11:15
